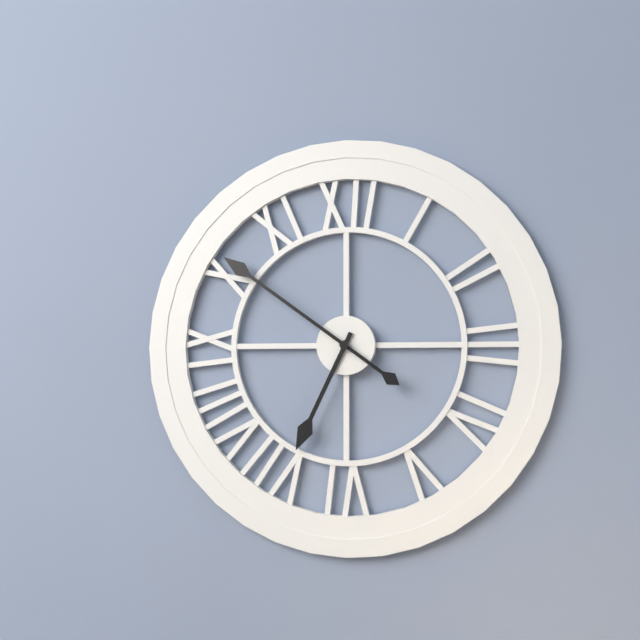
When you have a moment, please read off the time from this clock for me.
6:51
